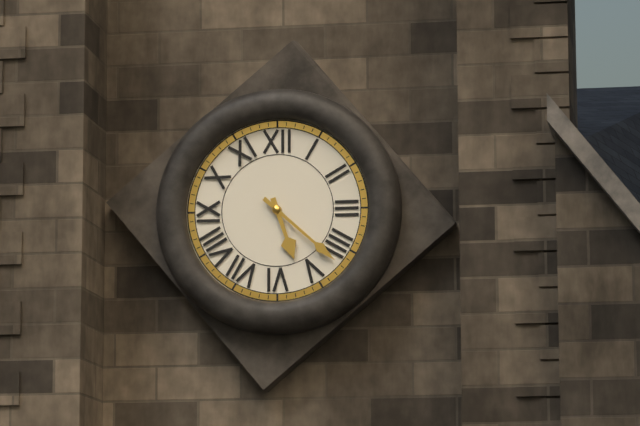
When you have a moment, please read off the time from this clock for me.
5:22
